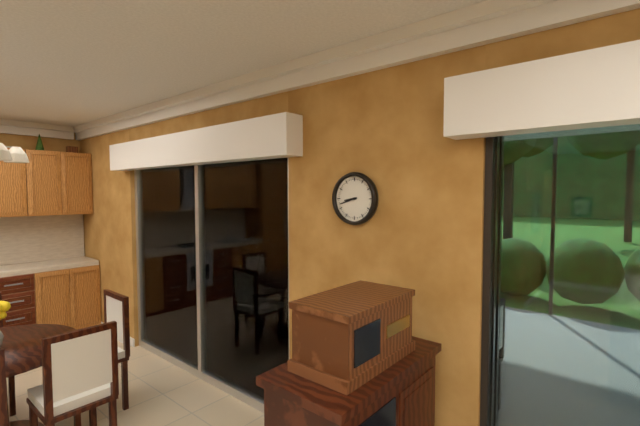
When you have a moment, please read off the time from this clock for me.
8:42
